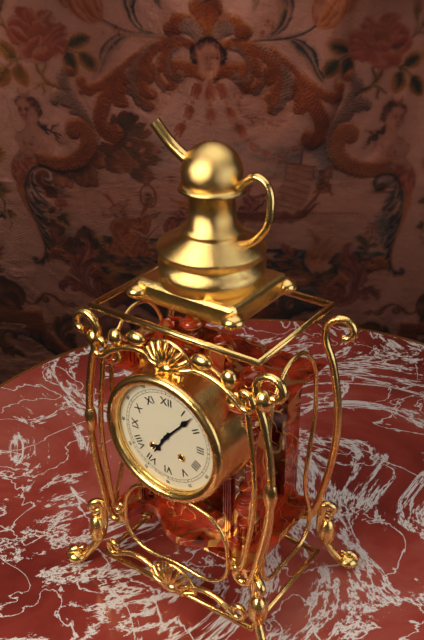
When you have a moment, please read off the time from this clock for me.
7:07
